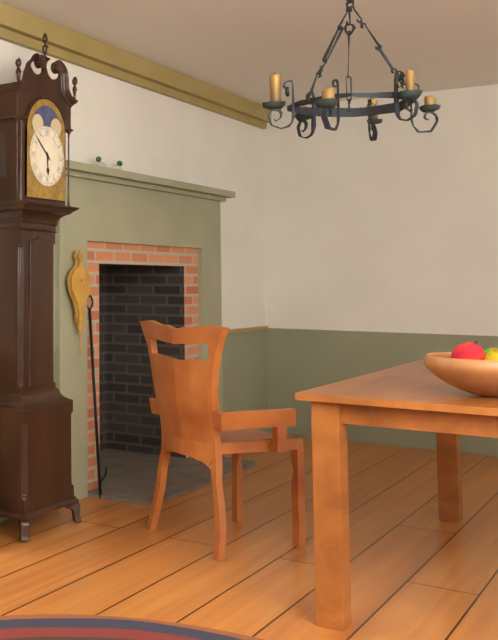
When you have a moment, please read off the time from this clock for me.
5:52
